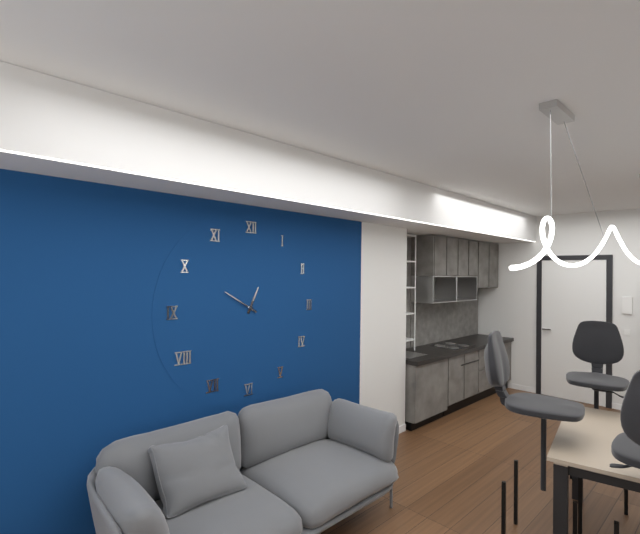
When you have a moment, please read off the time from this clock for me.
12:50
